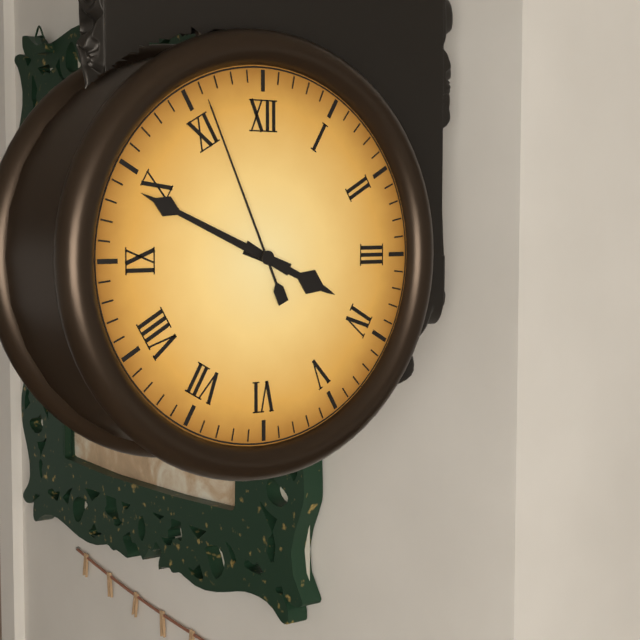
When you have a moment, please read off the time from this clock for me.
3:49:56
